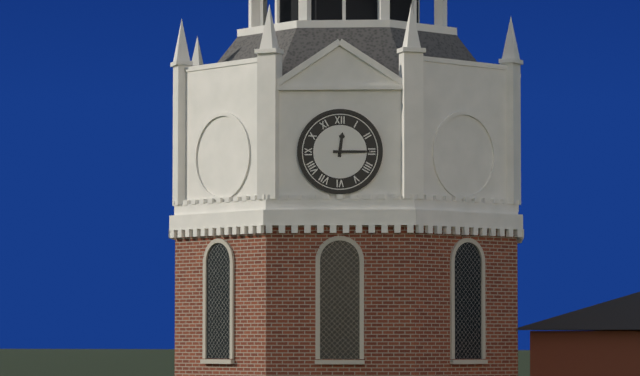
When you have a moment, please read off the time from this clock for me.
12:15
